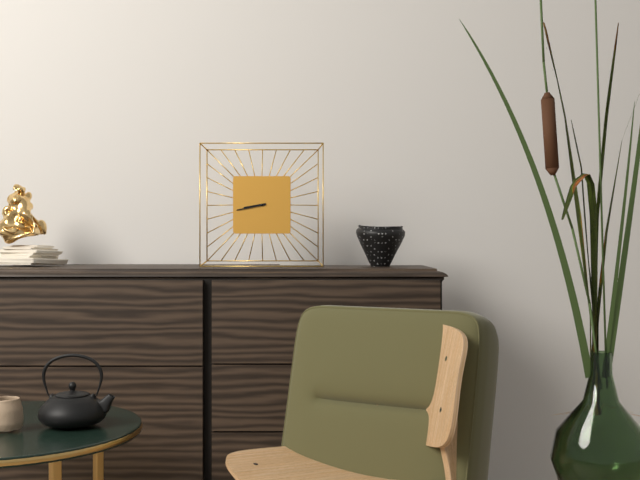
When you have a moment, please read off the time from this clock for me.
8:43
